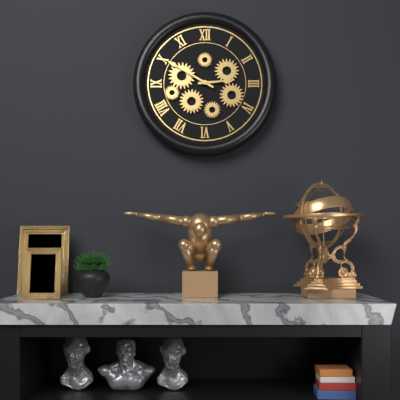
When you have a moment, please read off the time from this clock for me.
2:50
